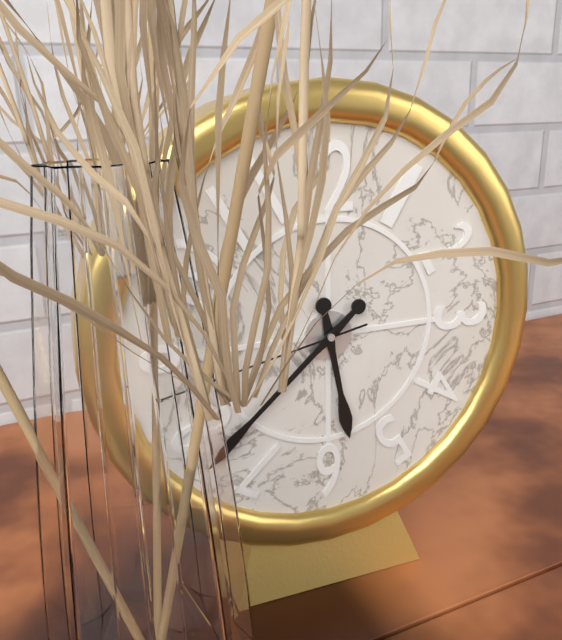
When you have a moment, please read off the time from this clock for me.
5:38
